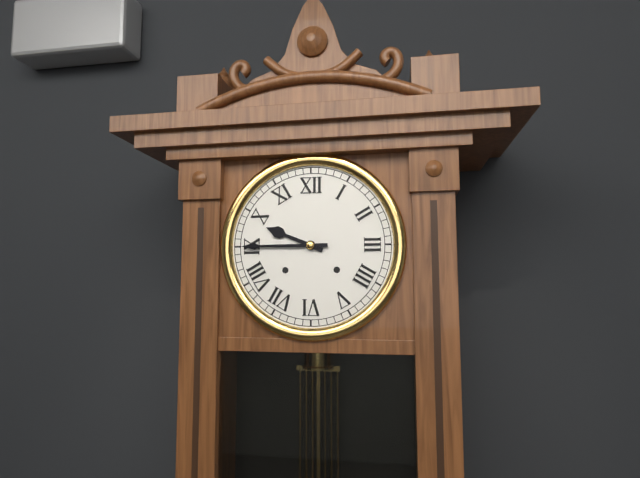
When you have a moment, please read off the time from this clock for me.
9:45
